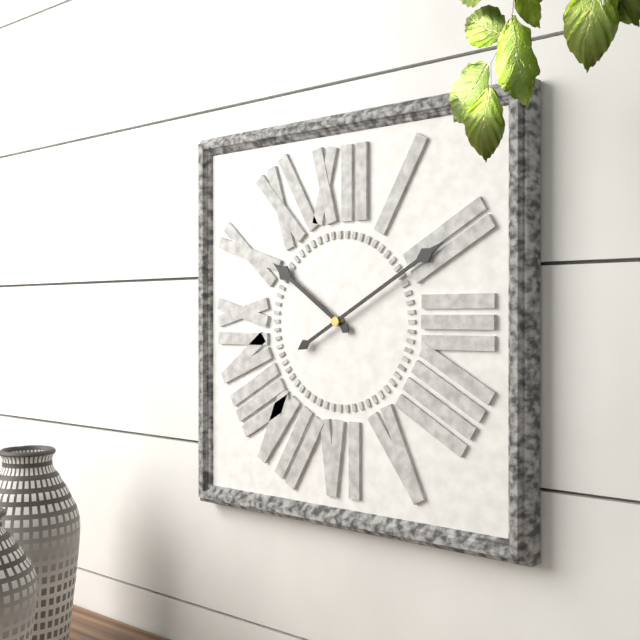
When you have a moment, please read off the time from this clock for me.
10:10
